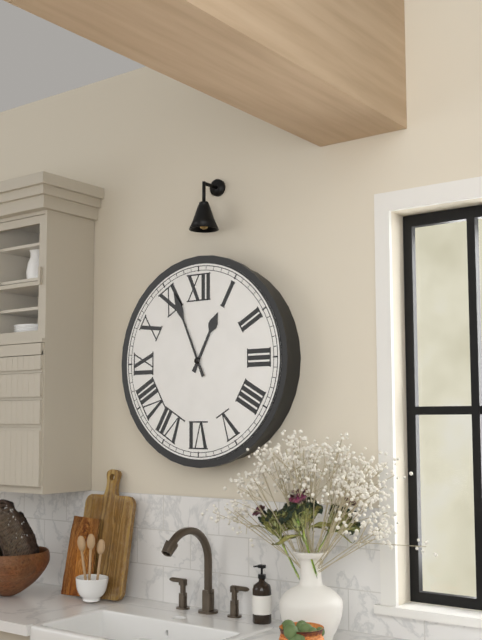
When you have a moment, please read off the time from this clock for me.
12:56
